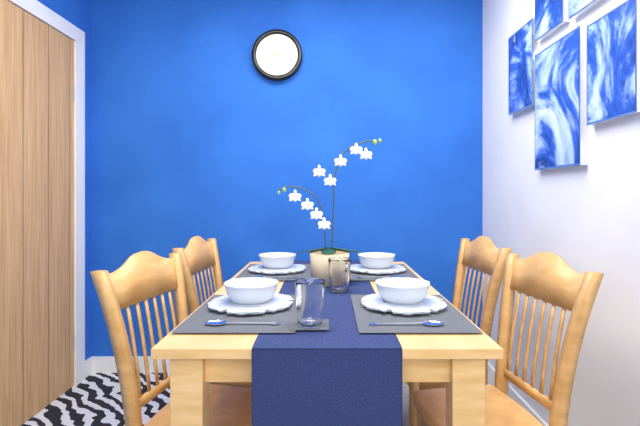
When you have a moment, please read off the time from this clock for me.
9:41
